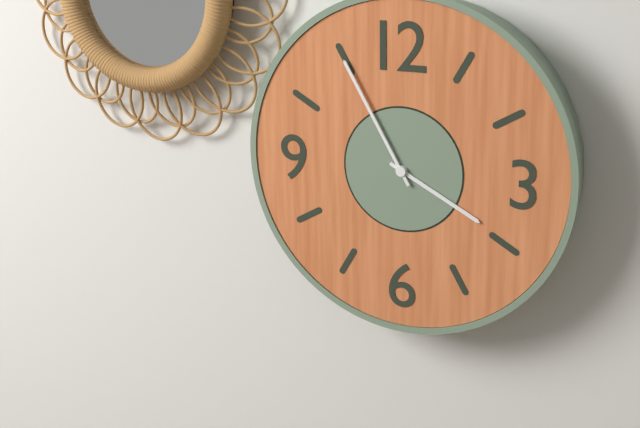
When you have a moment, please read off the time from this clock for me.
3:55
